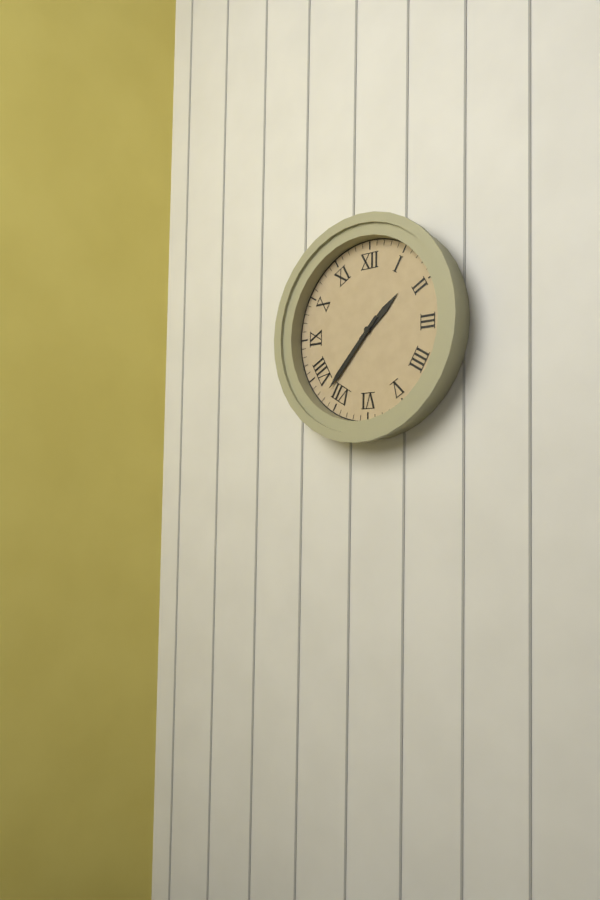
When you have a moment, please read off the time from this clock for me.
1:37
